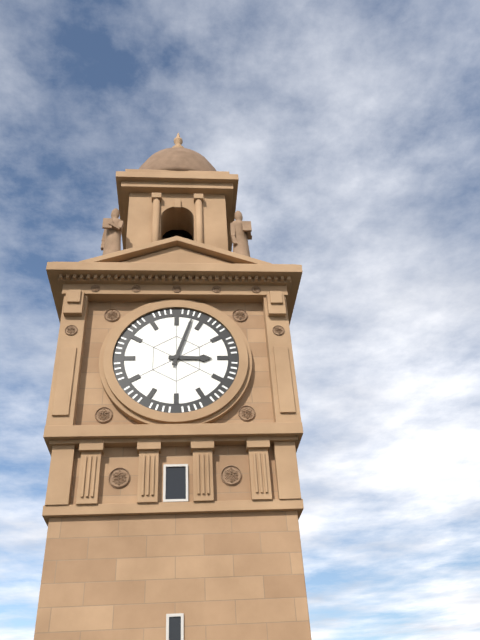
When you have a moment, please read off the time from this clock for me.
3:03
